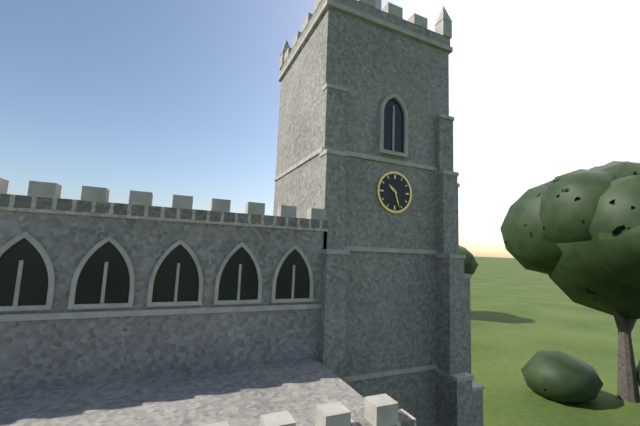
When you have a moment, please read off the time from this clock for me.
10:27
